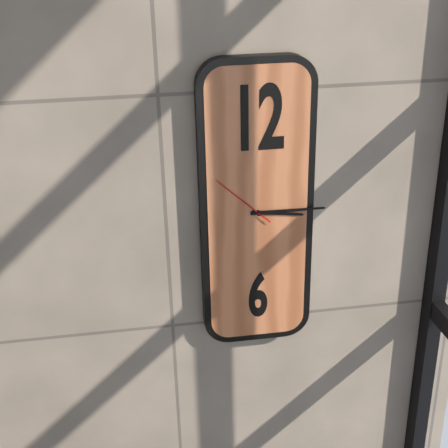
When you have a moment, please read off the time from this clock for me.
3:15:52
